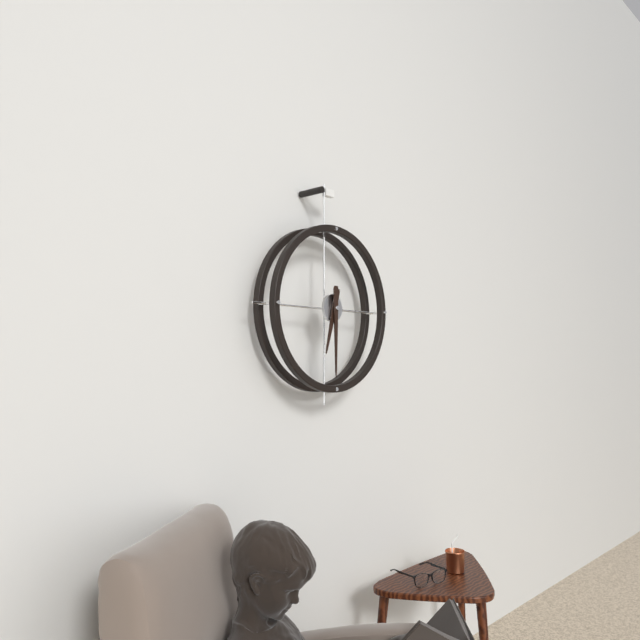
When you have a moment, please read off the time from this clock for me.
6:30
